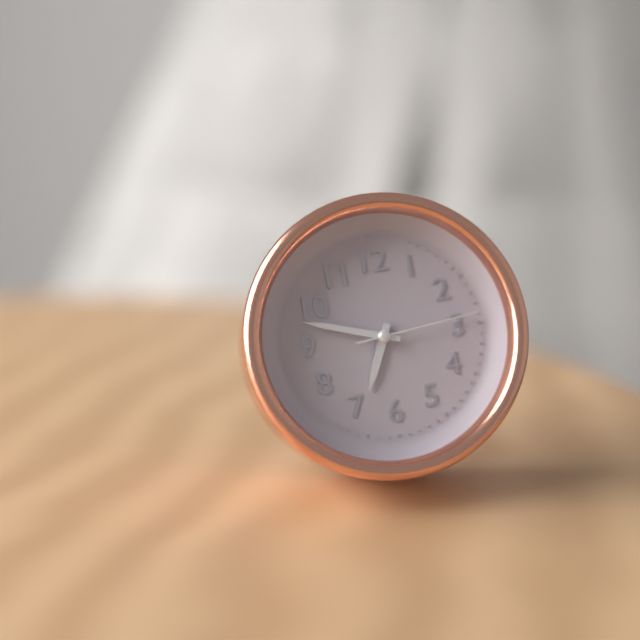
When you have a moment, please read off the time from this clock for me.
6:48:14
